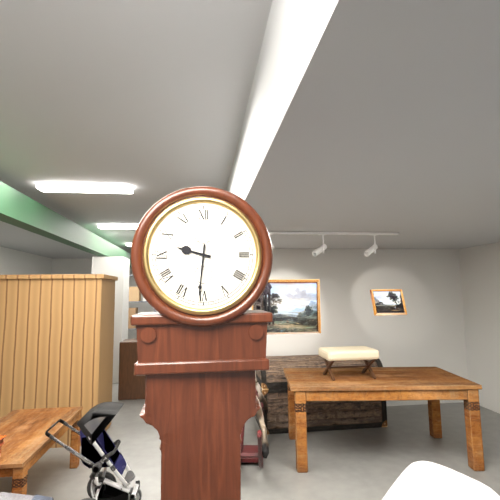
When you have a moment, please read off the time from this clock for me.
9:31
